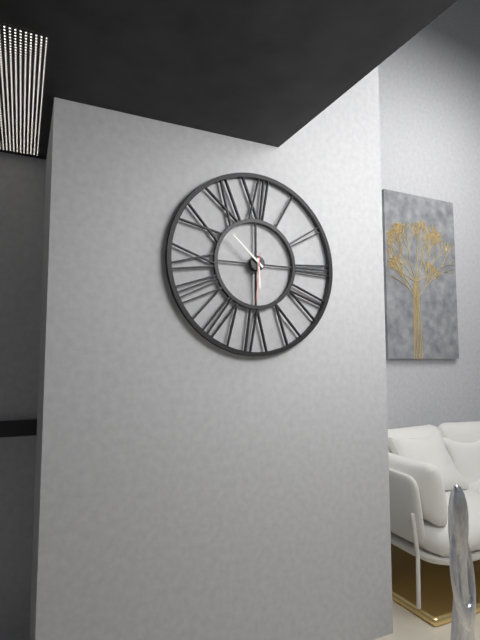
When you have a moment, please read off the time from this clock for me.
5:52
